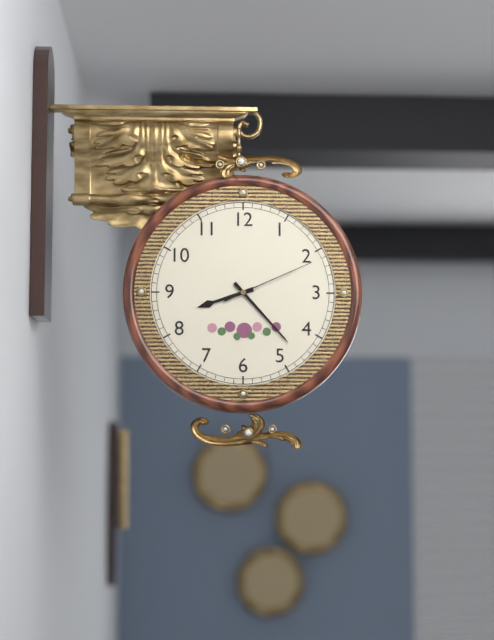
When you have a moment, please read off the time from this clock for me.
8:23:11
